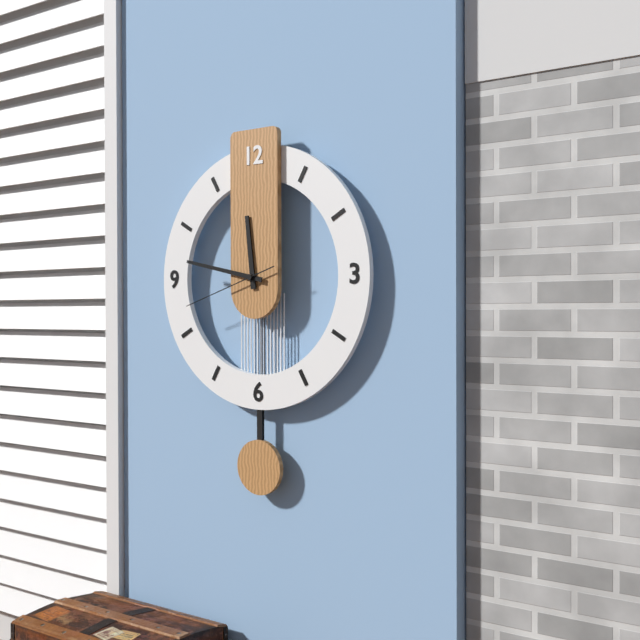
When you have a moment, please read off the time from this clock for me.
11:47:42
